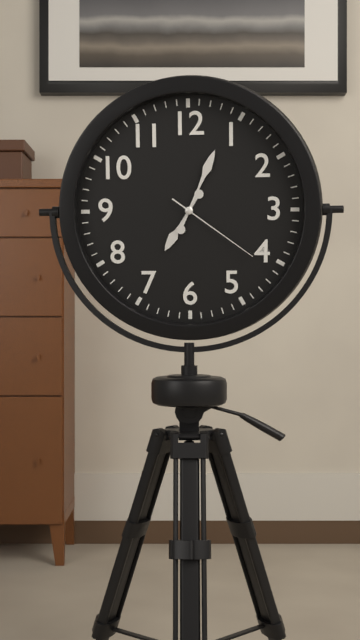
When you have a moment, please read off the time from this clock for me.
7:04:21
